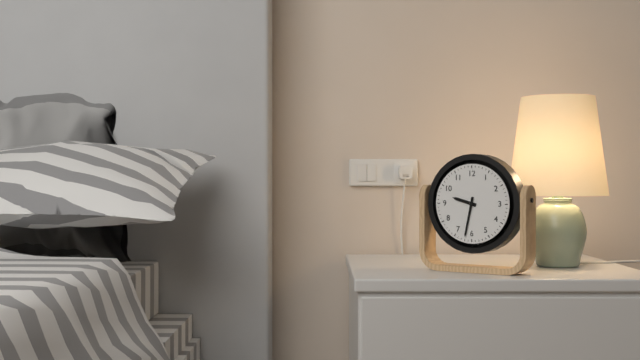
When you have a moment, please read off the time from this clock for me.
9:32
